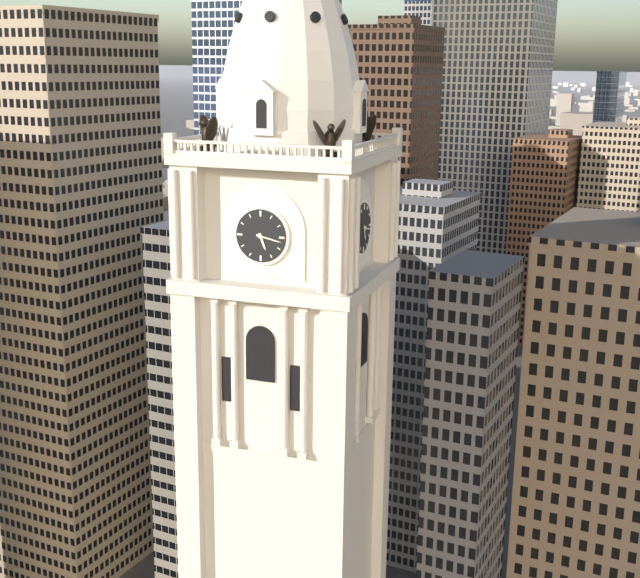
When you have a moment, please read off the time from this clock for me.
5:17
